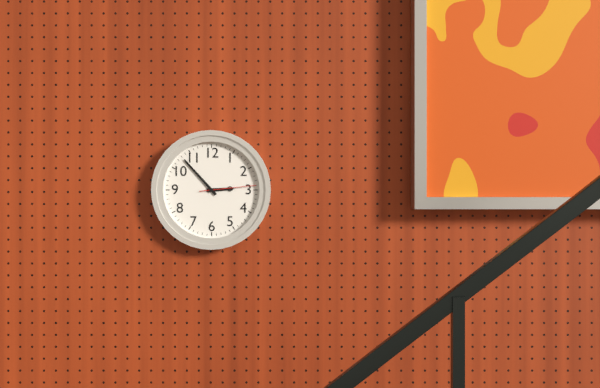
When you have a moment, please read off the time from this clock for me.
2:53:14
